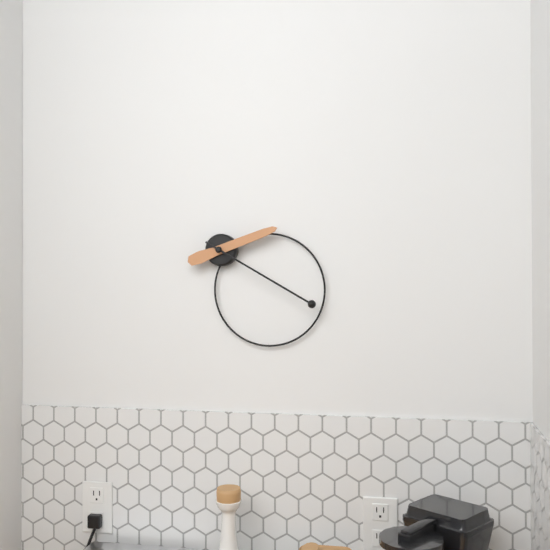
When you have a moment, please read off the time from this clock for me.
2:20
